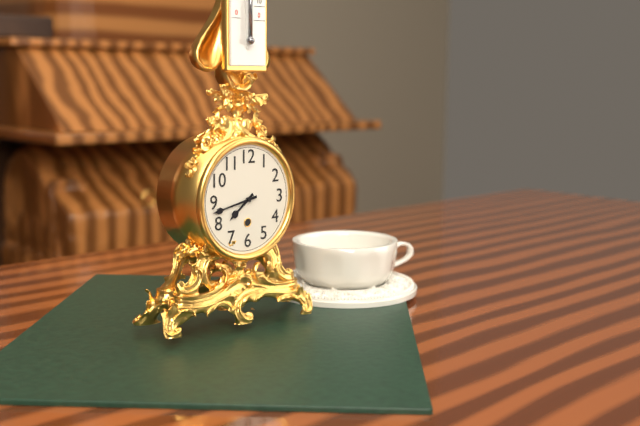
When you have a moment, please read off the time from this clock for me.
7:43
